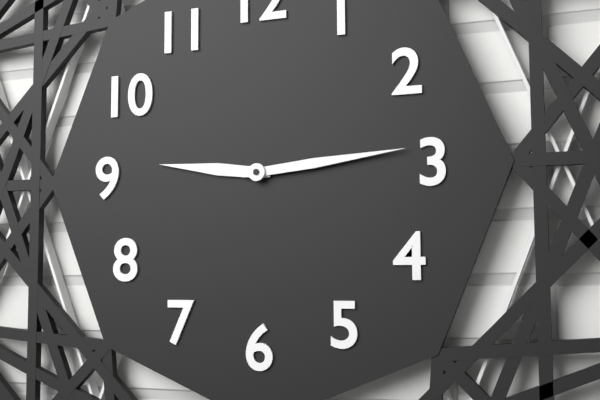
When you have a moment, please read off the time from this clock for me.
9:14
